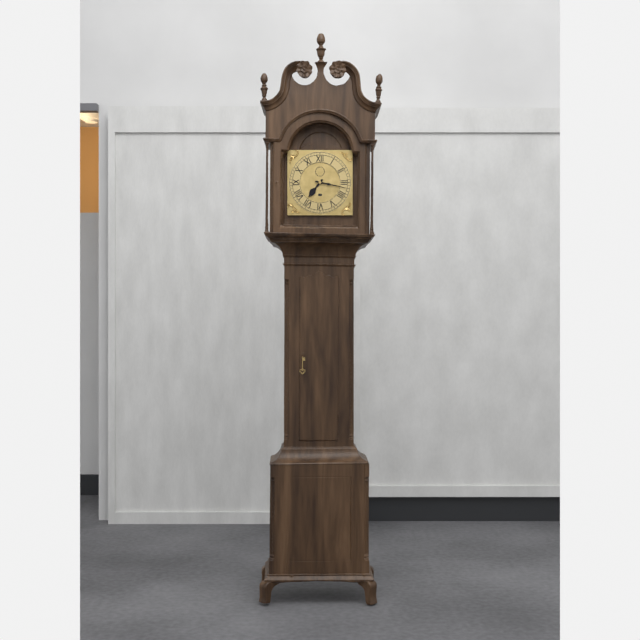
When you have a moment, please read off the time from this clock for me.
7:17
